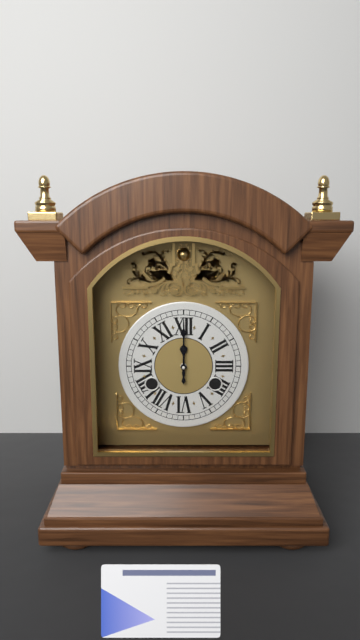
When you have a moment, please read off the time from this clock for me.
12:00
